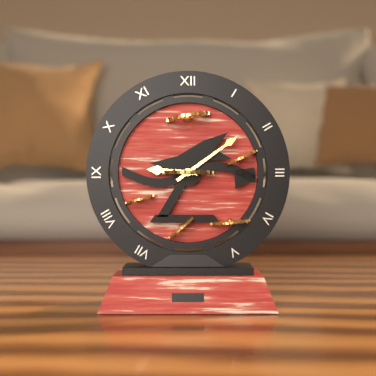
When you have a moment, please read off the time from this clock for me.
9:09
